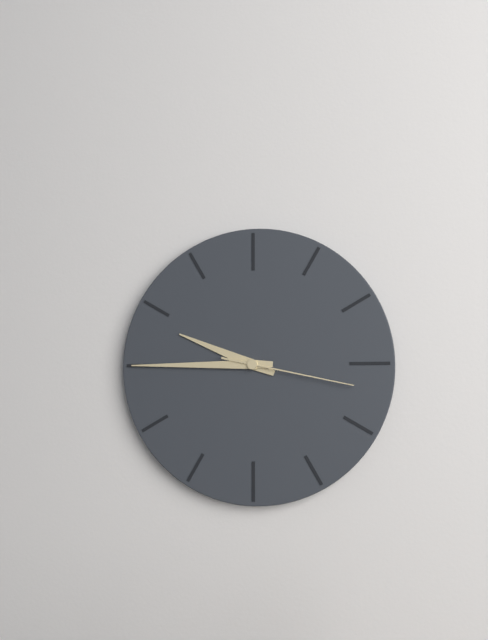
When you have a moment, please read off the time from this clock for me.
9:45:17
